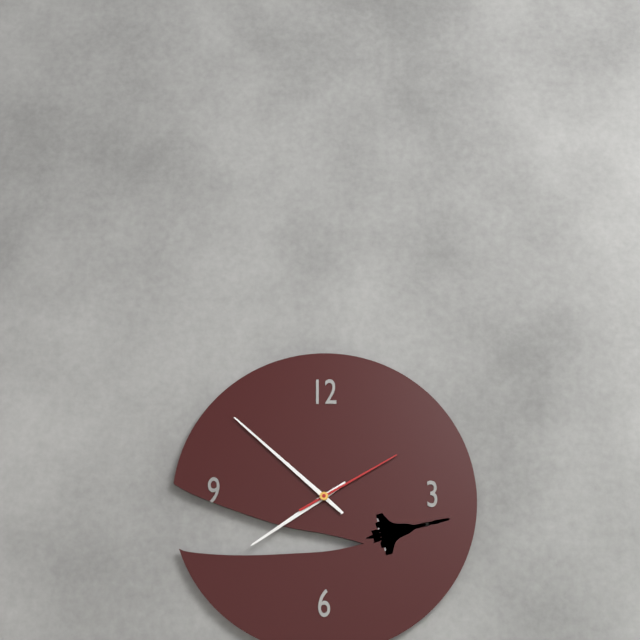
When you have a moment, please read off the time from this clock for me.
7:52:10
